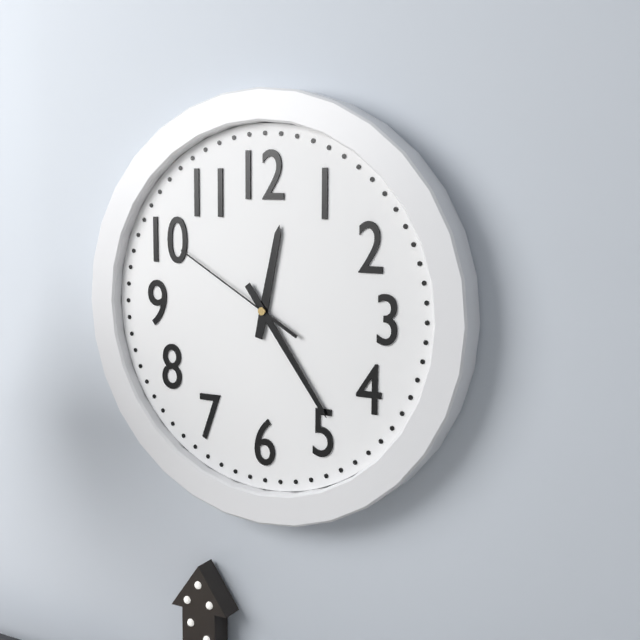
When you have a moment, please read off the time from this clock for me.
12:24:50
